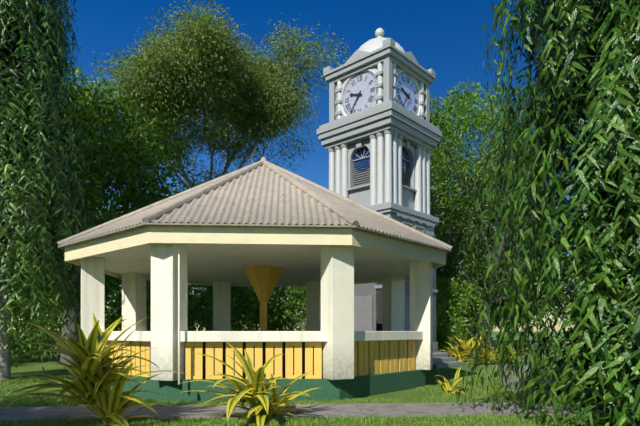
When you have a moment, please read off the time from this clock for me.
9:36
